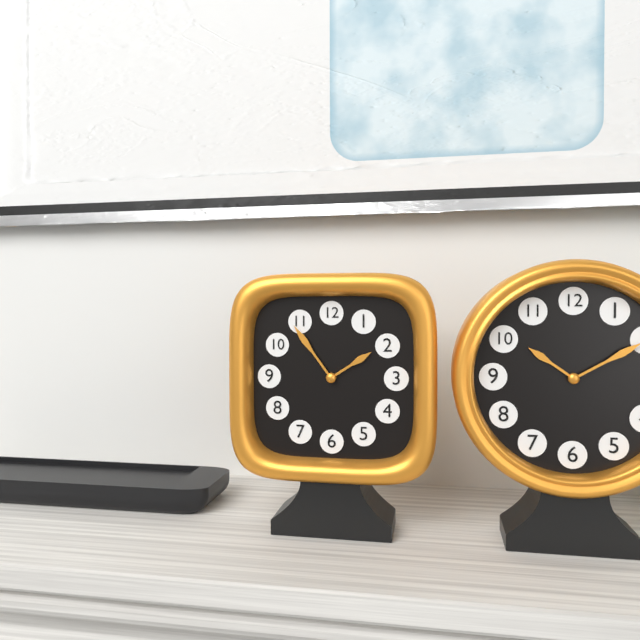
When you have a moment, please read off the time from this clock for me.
1:54
